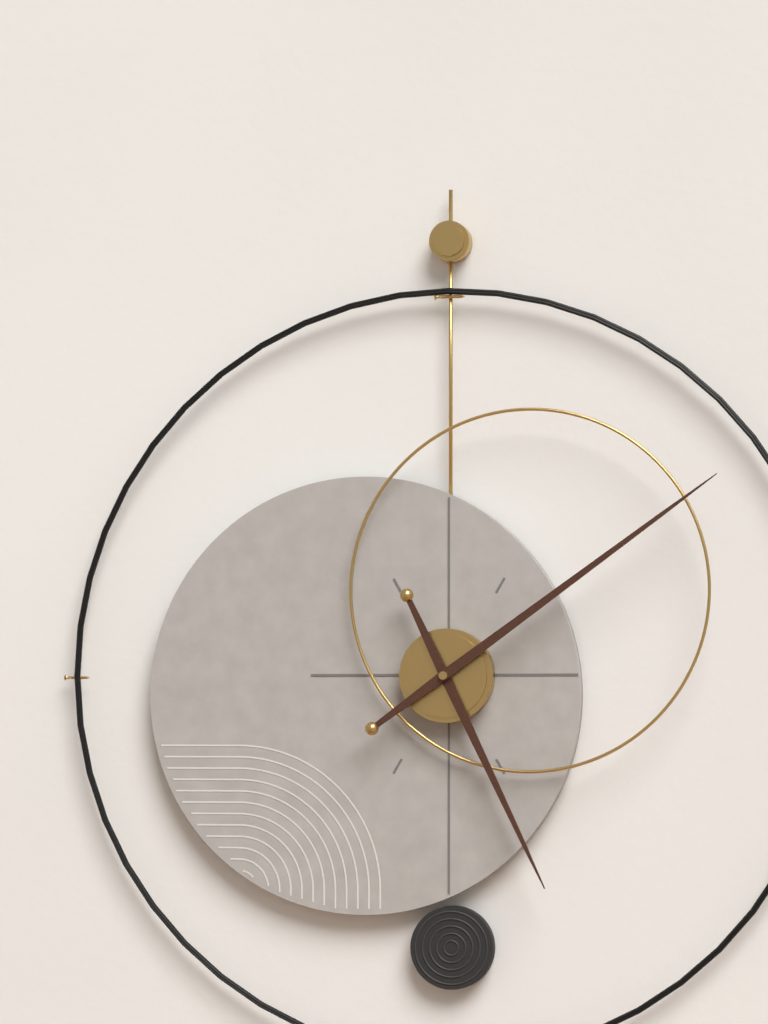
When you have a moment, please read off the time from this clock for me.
5:09
